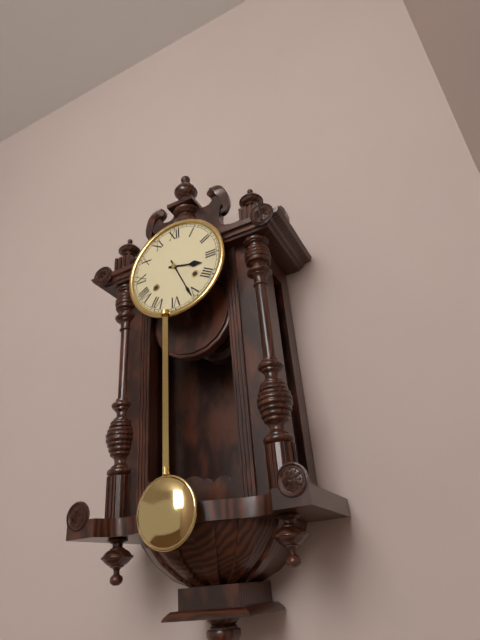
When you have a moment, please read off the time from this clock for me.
3:26
